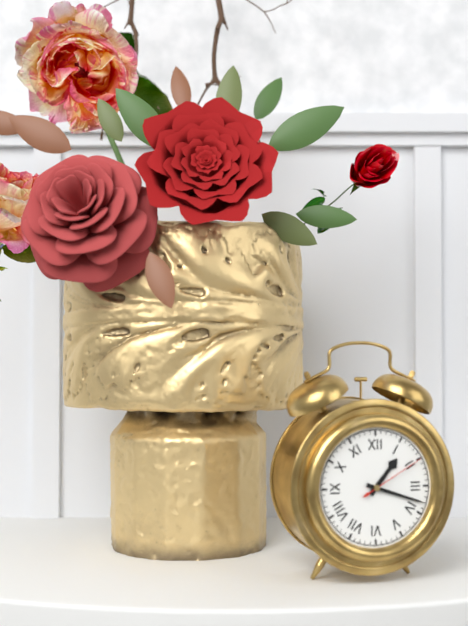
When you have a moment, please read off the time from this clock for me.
1:18:10
